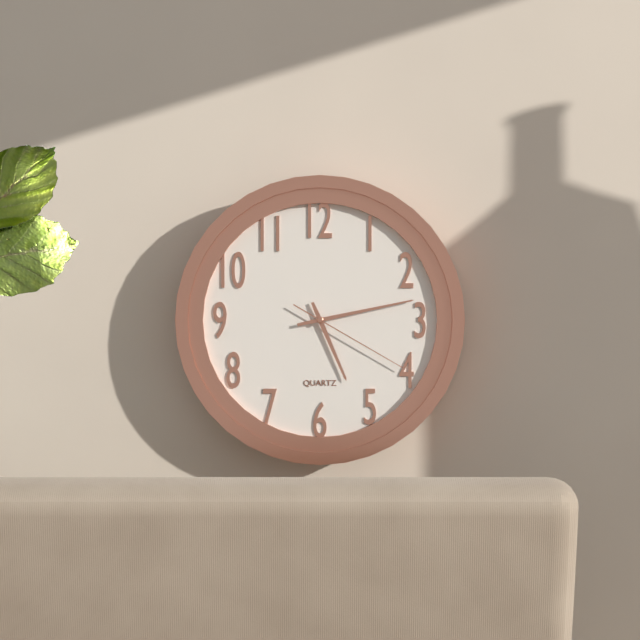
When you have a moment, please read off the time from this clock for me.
5:13:20
